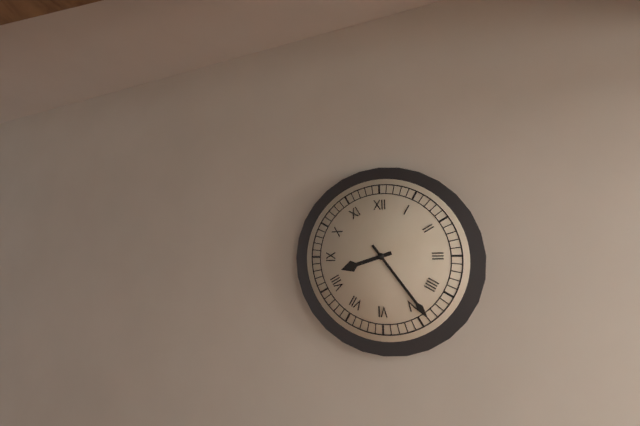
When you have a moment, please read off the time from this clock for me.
8:24
